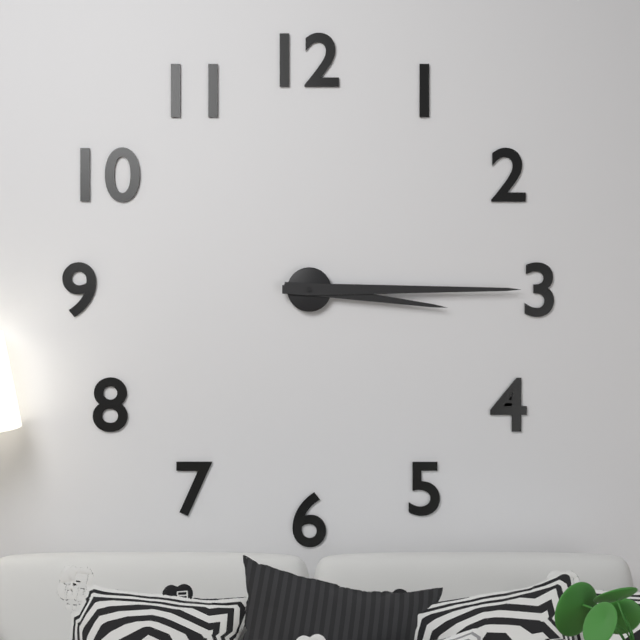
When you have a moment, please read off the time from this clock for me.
3:15
